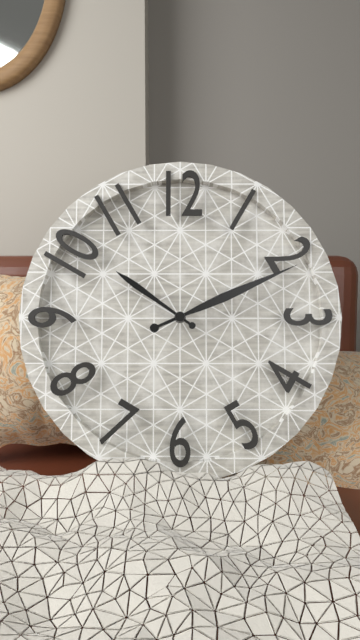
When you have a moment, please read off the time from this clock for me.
10:11
